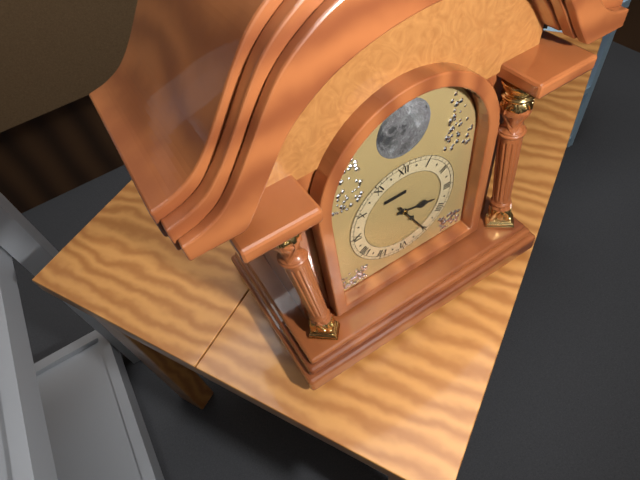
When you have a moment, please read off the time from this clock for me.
3:25
